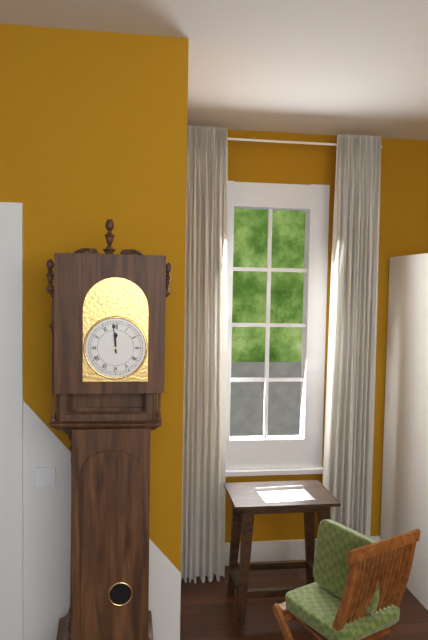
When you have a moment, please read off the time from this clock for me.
11:59
